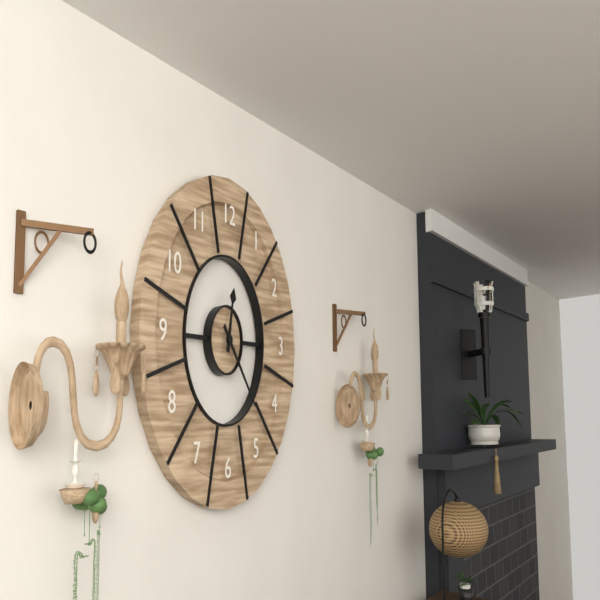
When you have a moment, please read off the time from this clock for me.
12:23
